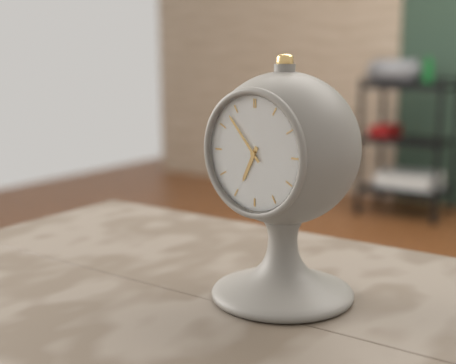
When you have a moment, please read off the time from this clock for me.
6:53
